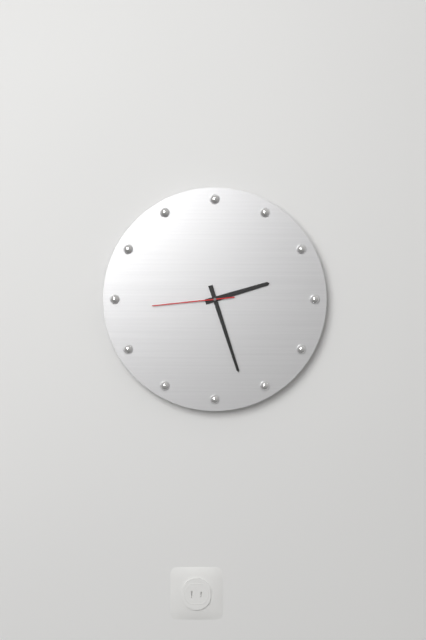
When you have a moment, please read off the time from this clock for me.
2:27:44
